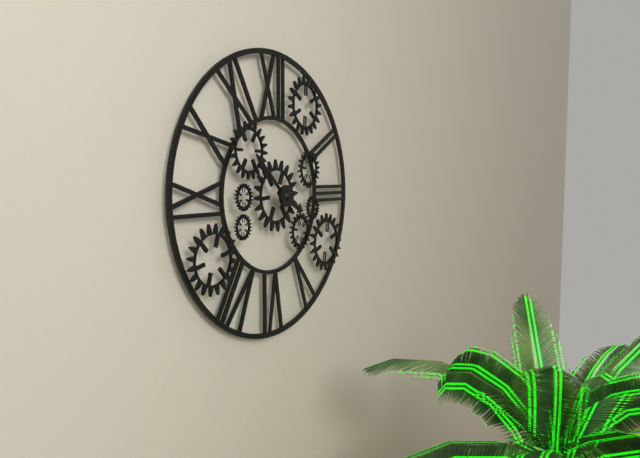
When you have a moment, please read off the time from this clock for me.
3:52
